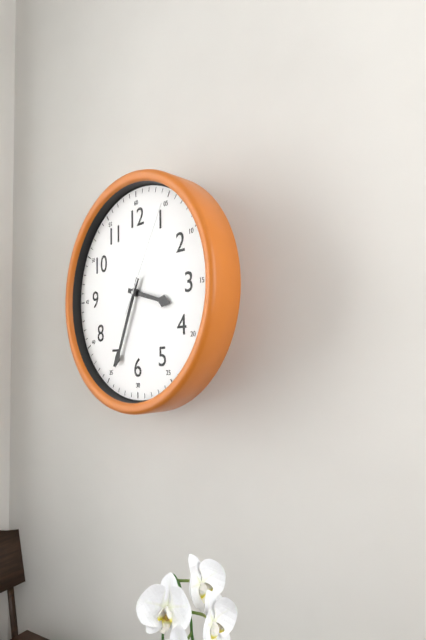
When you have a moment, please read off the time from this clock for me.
3:34:05
